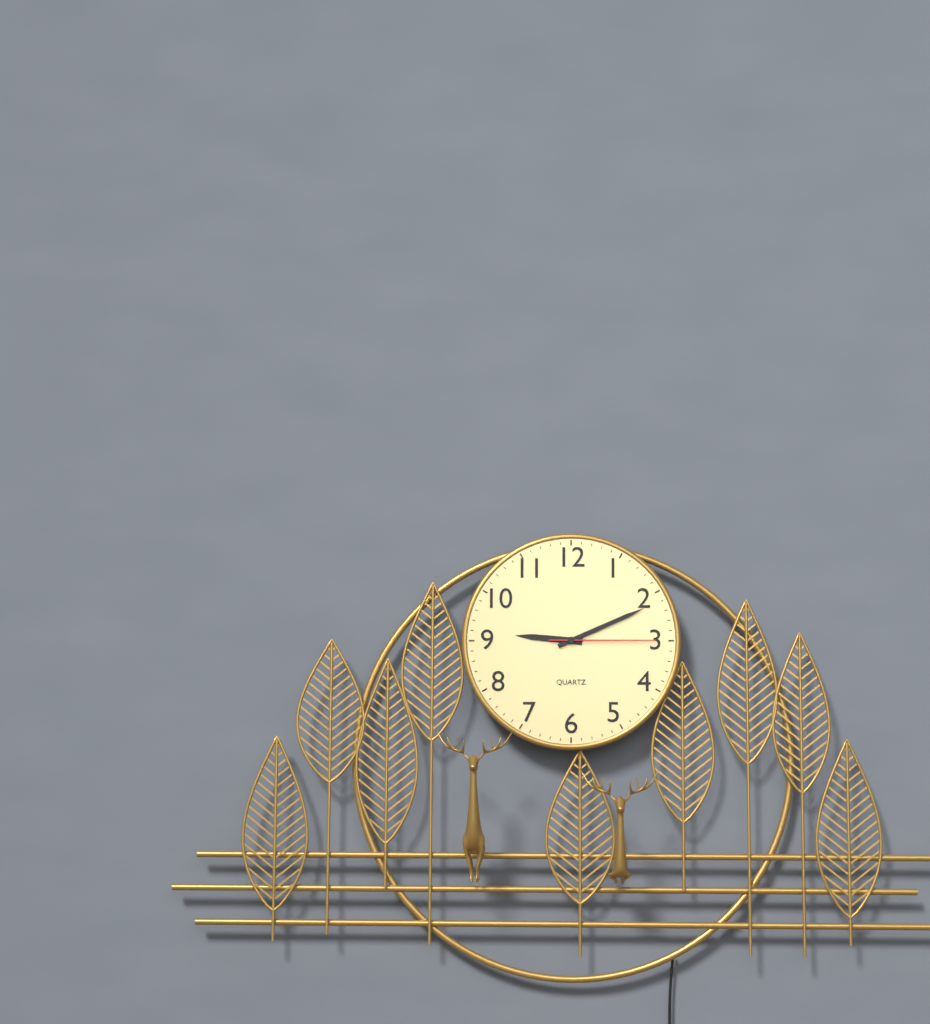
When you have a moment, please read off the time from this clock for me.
9:11:15
